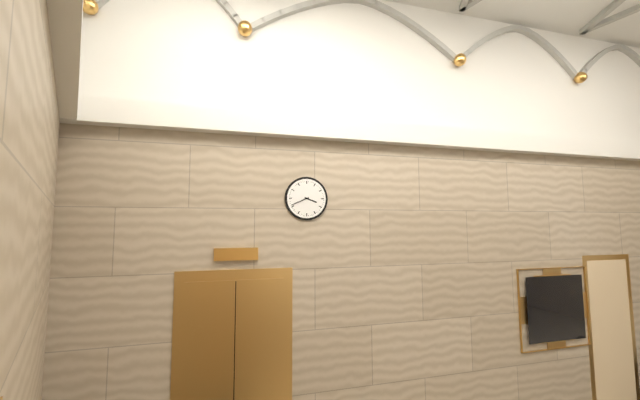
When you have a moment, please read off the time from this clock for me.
3:41
